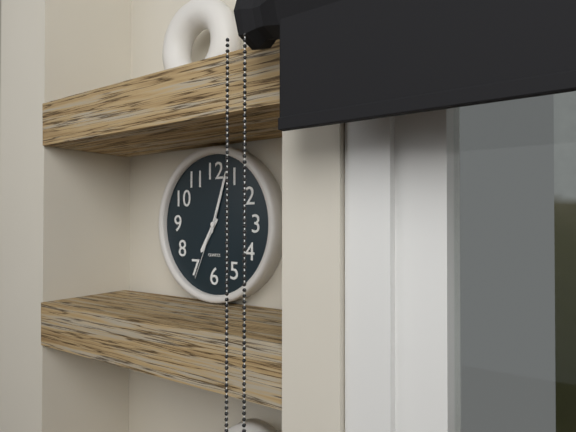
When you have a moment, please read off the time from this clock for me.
7:03:34
